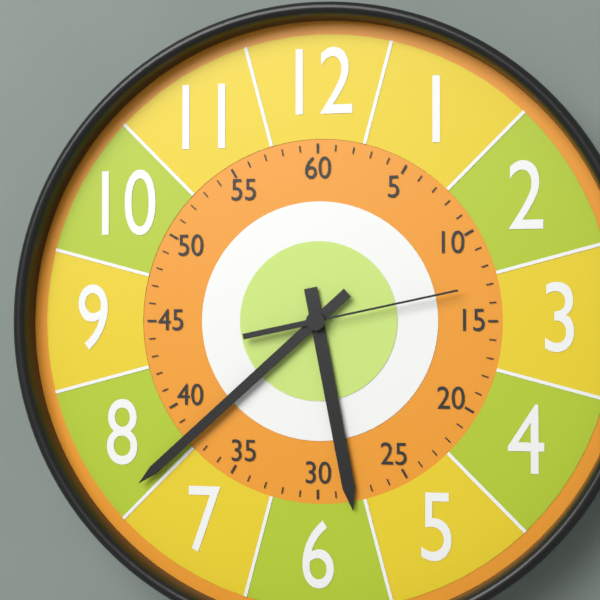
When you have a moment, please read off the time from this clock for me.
5:38:13
